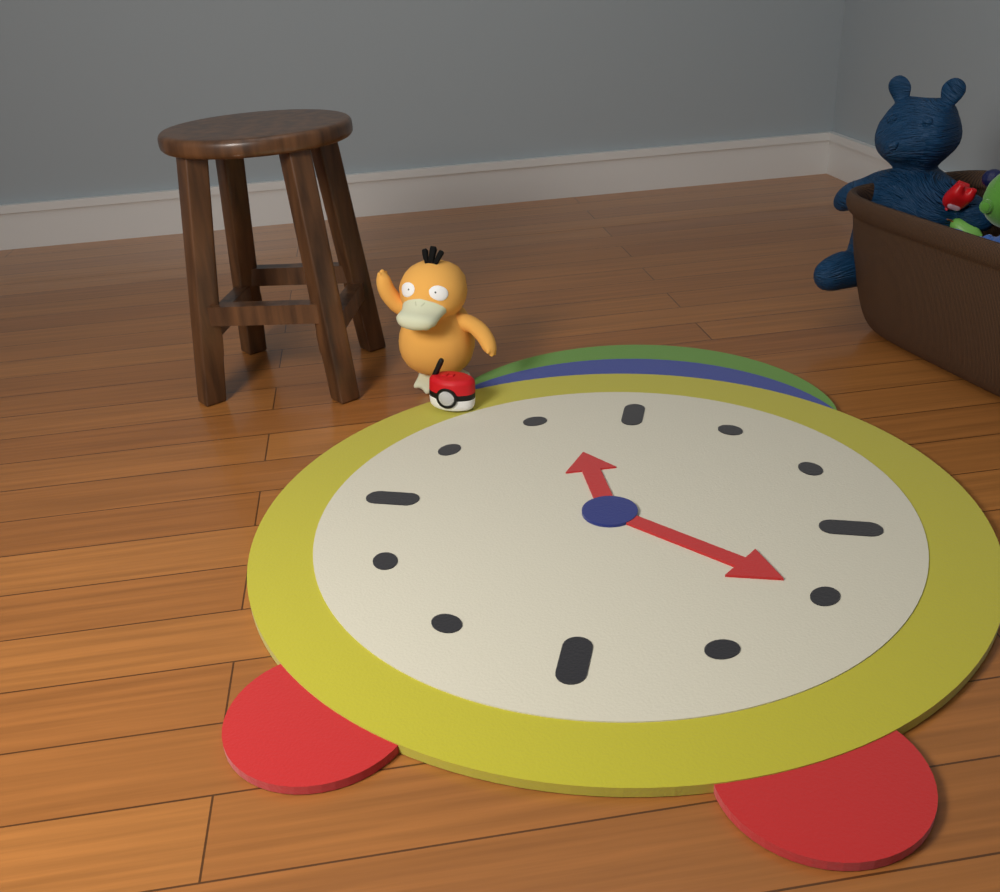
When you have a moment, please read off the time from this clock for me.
11:20
